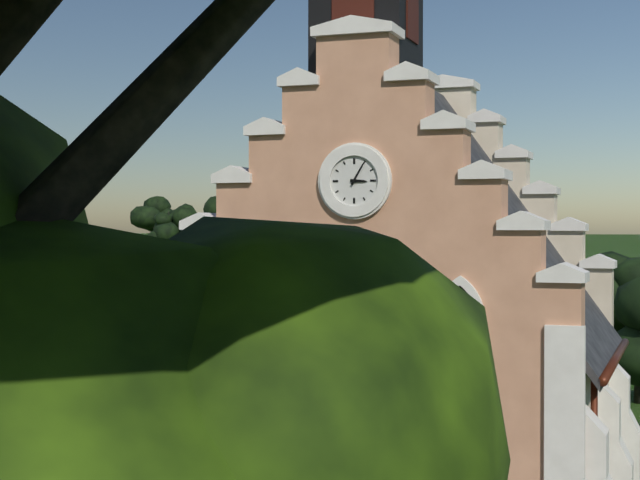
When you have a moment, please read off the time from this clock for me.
3:05
